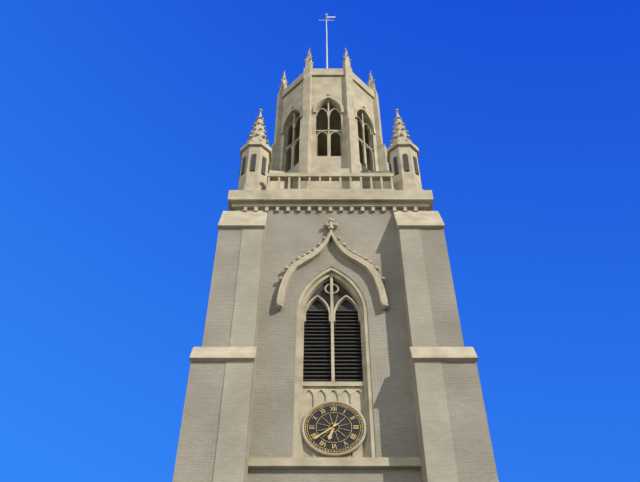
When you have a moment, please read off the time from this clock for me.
6:39
